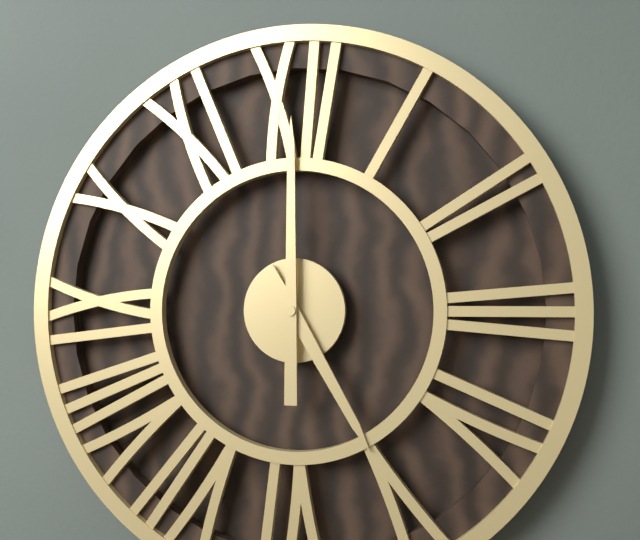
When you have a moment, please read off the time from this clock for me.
5:00
